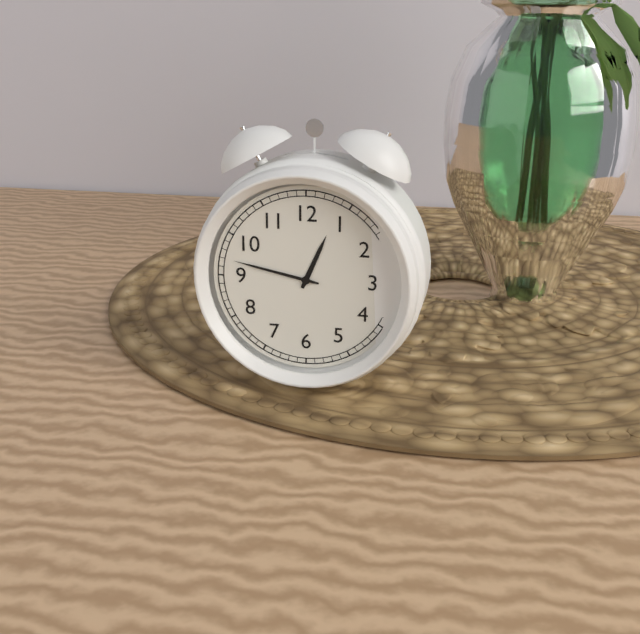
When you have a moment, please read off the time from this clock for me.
12:47
